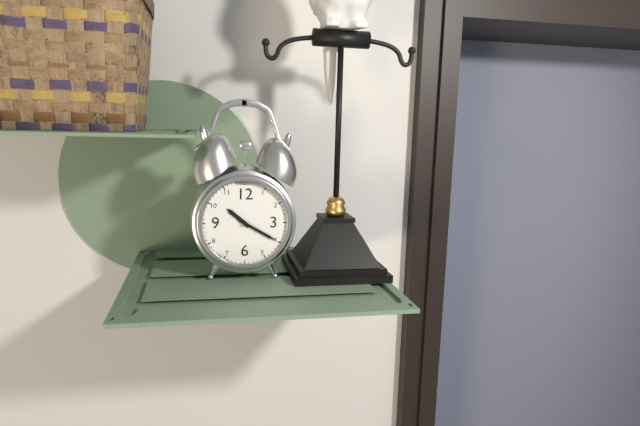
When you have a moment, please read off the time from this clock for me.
10:20
